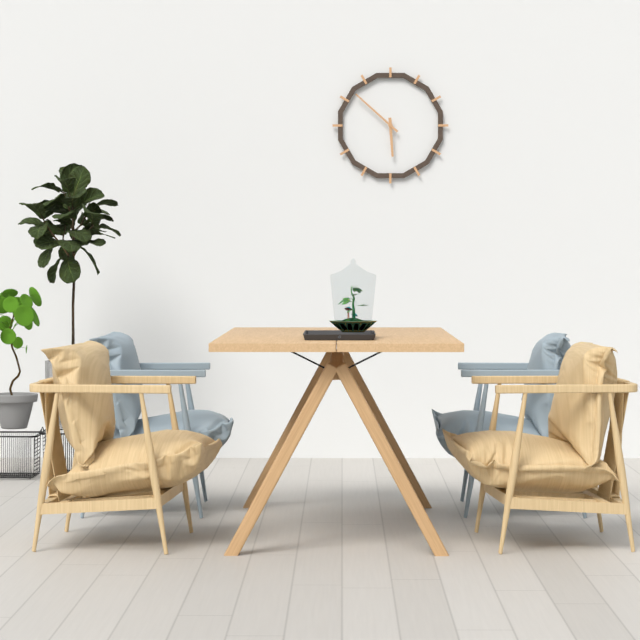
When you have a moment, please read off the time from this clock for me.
5:52
